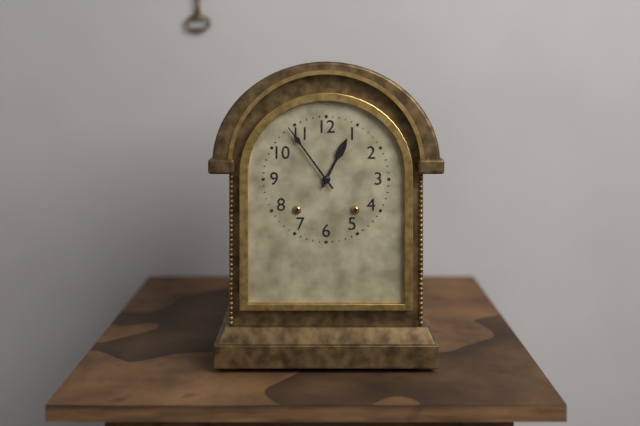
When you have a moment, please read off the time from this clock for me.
12:54
